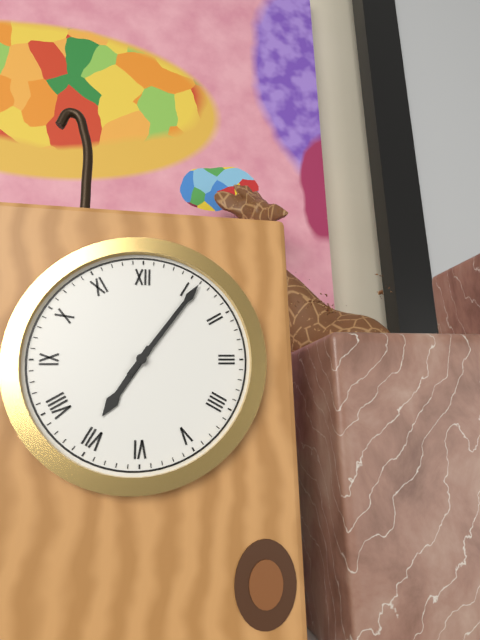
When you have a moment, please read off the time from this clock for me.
7:06
